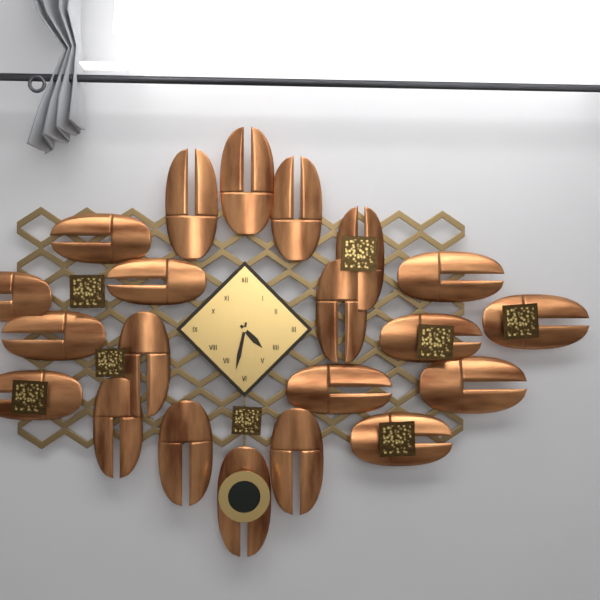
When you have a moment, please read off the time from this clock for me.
4:32
